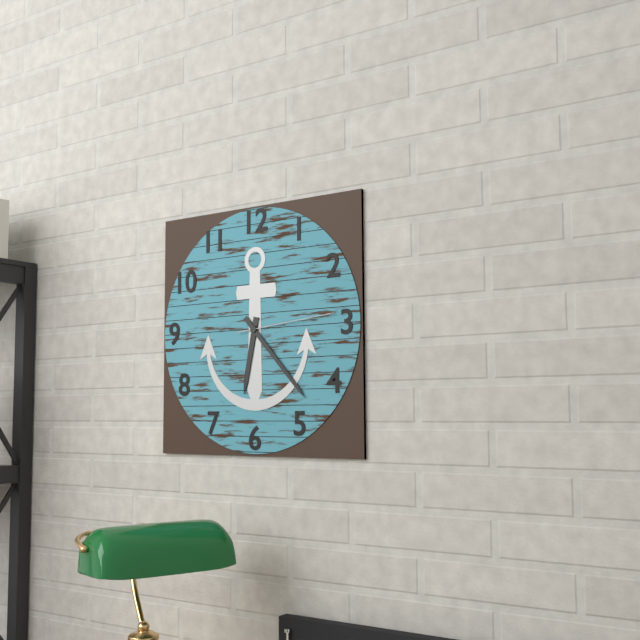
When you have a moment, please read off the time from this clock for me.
6:23:14
